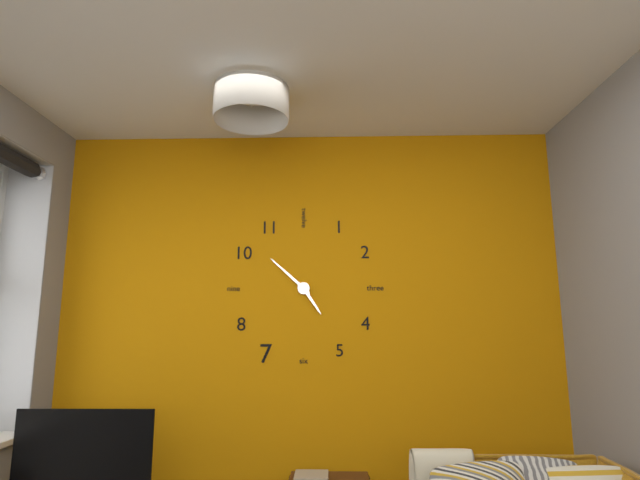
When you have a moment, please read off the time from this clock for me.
4:52
